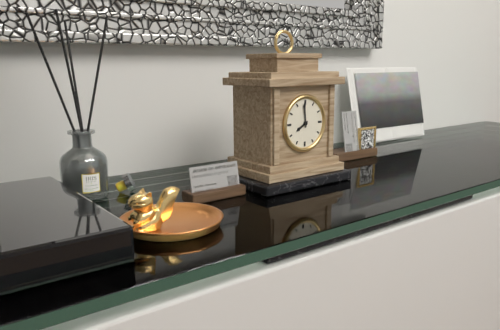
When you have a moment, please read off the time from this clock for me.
7:59
